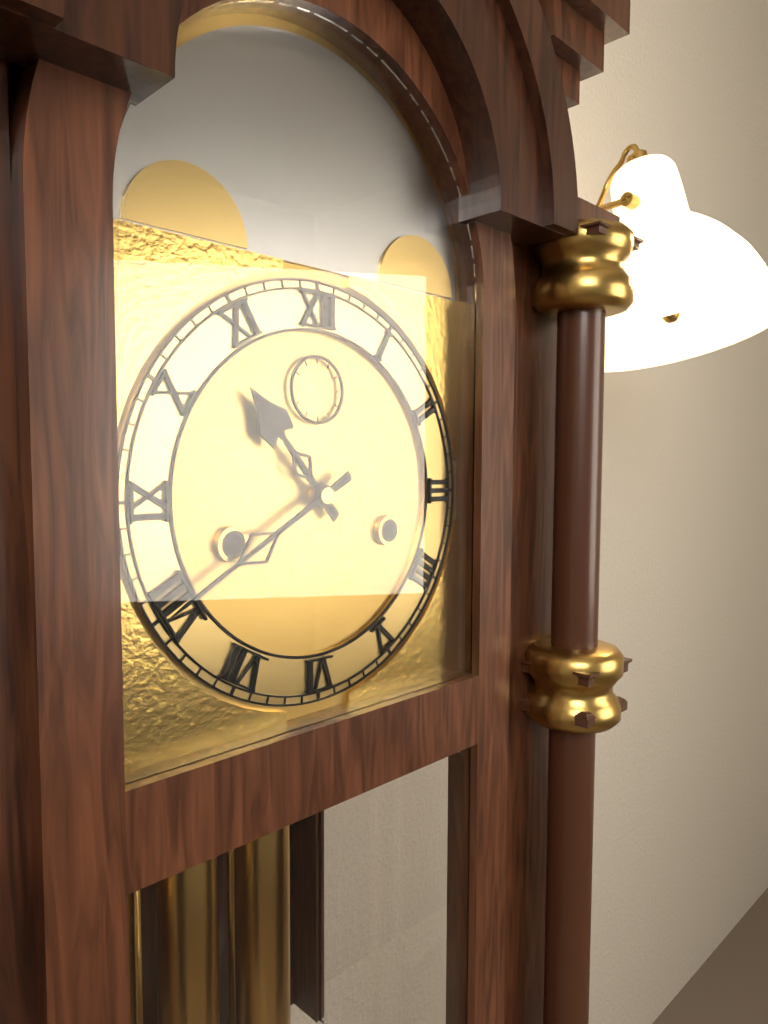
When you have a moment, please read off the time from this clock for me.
10:40
